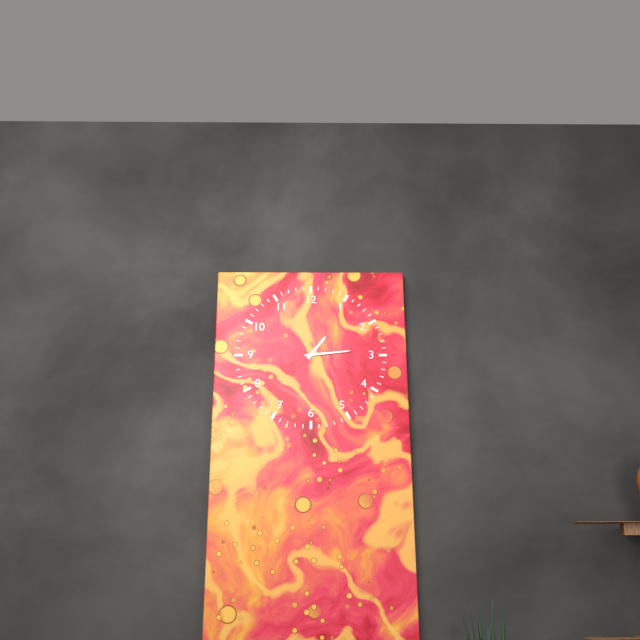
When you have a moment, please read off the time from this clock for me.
1:14
